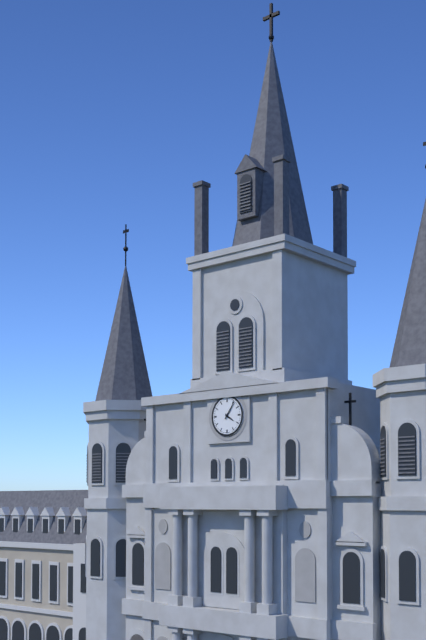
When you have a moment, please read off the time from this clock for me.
4:06
